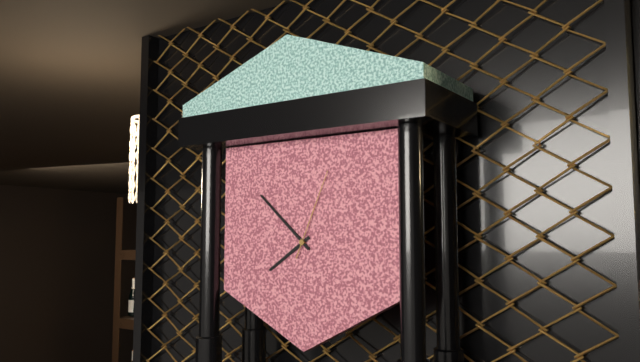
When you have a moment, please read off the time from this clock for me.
7:52:04
